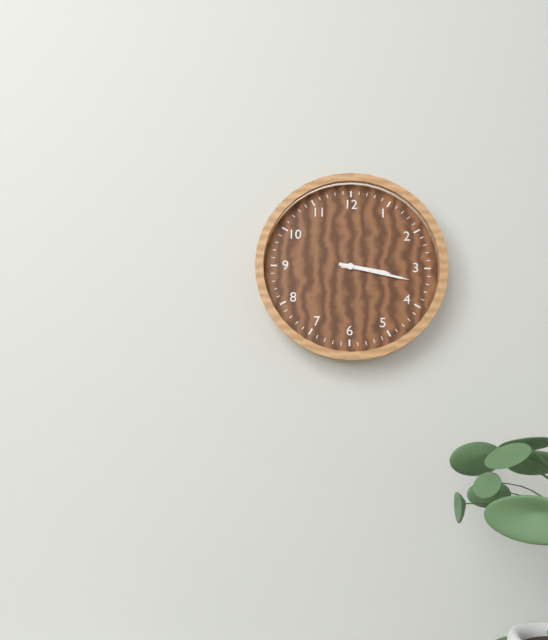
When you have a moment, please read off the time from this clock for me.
3:17
